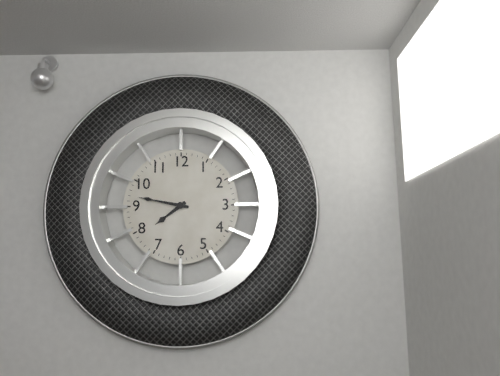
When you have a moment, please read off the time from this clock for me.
7:47
